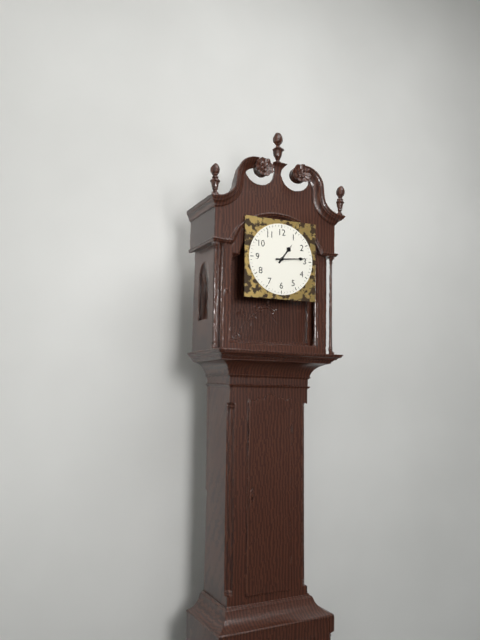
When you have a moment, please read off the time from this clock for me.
1:14
